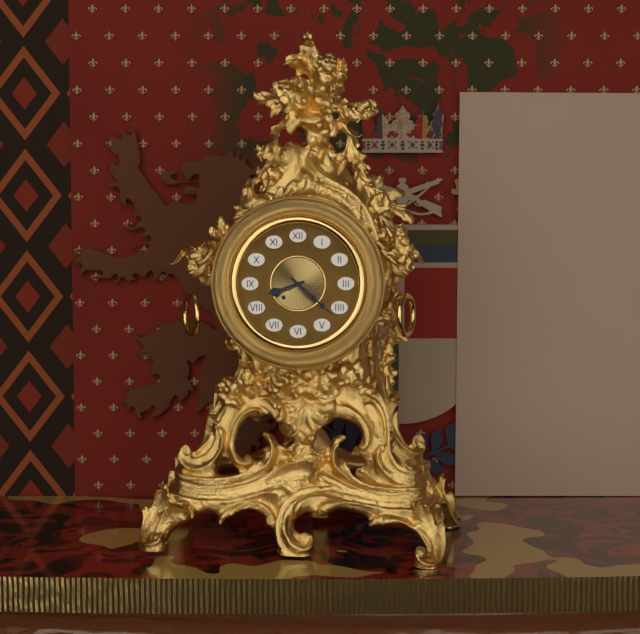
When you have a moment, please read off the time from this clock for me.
8:22
